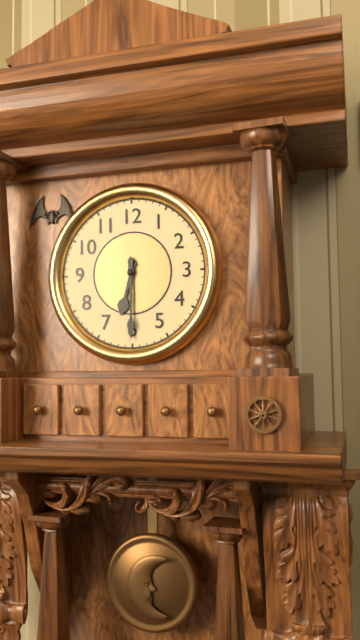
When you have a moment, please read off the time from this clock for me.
6:30
